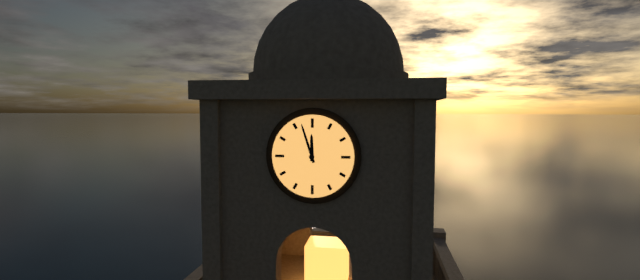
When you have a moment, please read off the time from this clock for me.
11:57
